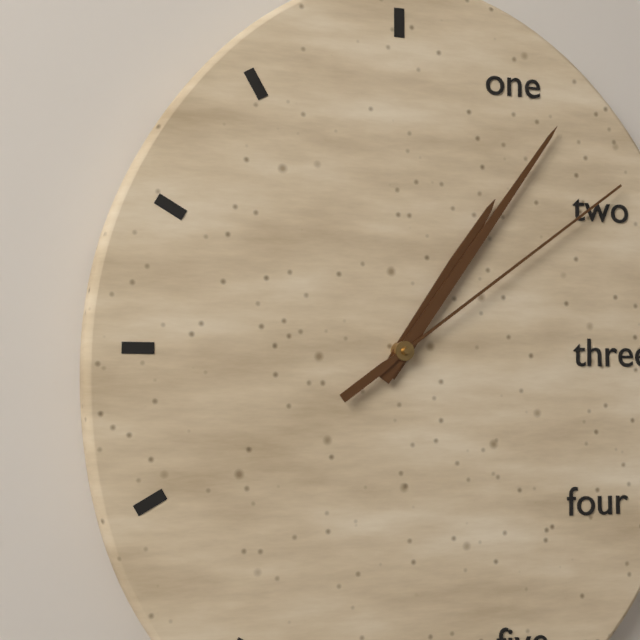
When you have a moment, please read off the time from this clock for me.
1:06:09
